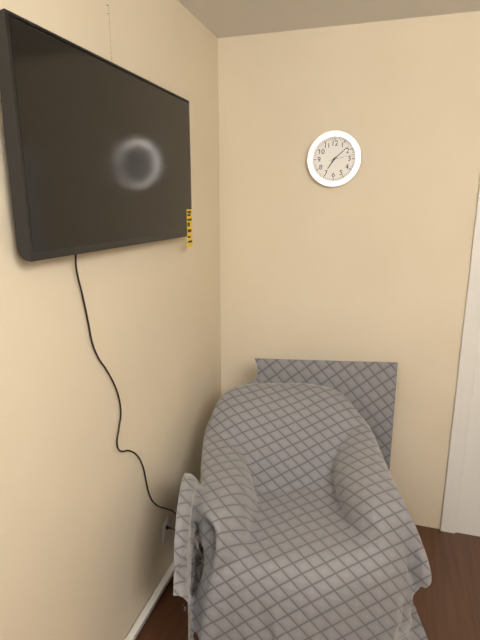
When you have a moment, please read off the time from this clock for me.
7:08
